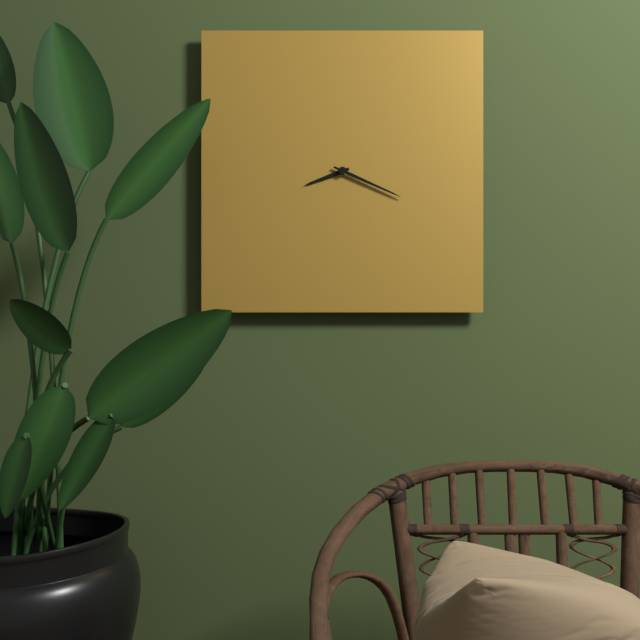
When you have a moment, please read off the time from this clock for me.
8:19
